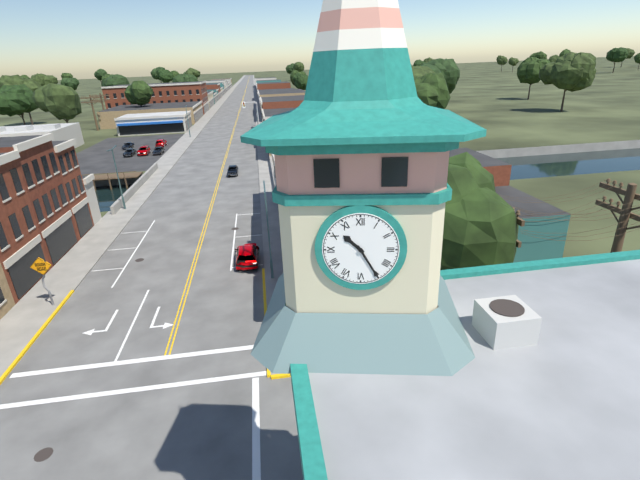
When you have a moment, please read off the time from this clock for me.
10:25
